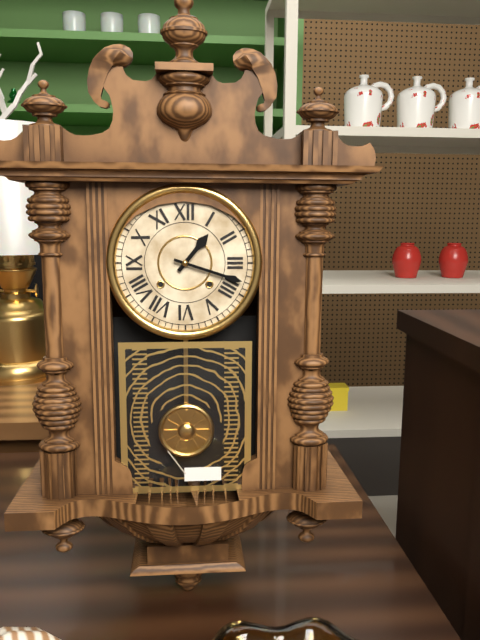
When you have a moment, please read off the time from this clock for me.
1:18
